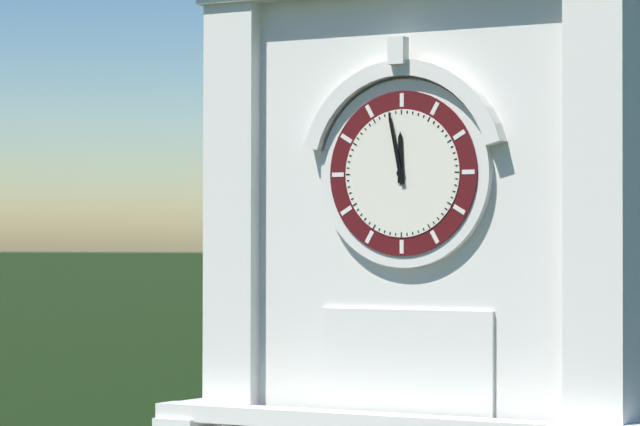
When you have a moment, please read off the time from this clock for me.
11:58
